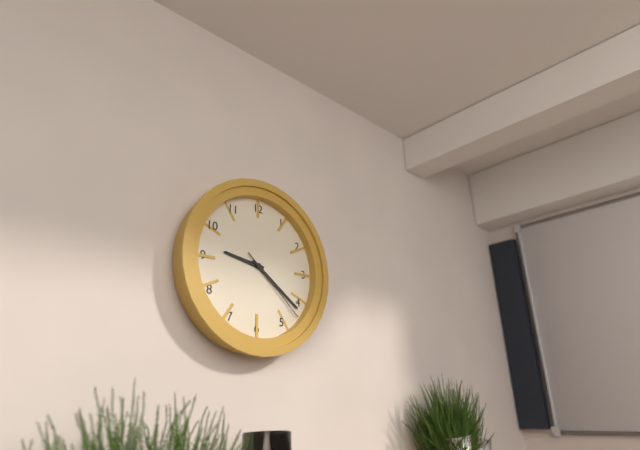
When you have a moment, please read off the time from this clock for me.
9:21:22
